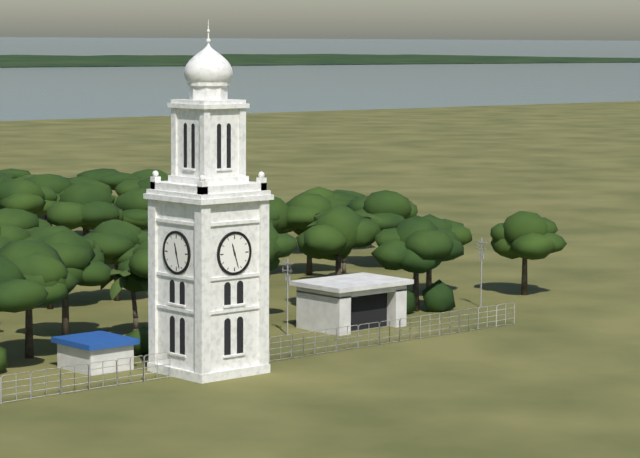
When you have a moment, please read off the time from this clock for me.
11:27
